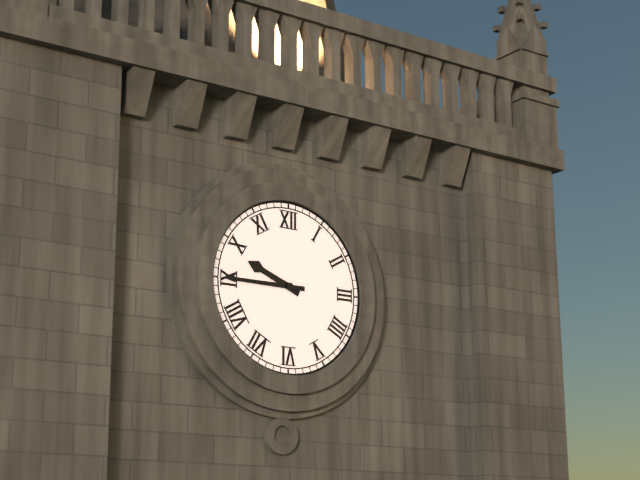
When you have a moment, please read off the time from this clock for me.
9:45
